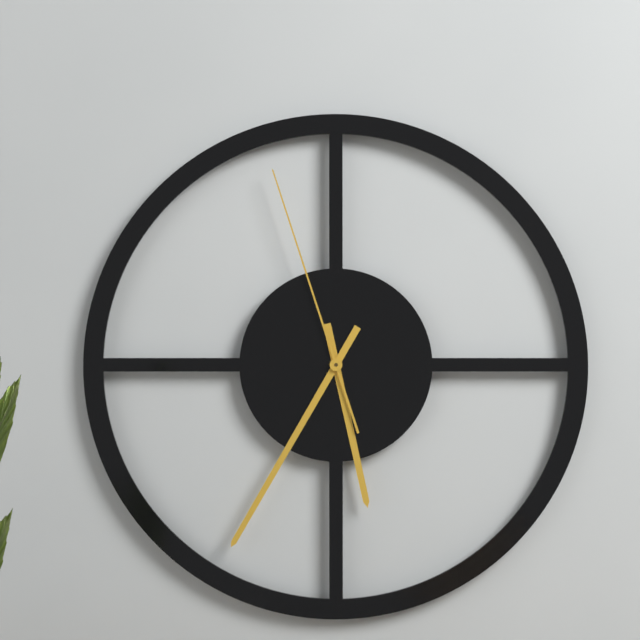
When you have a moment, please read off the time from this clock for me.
5:35:57
